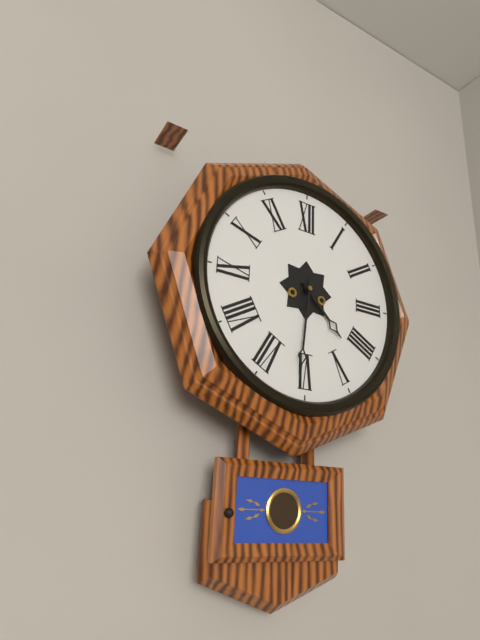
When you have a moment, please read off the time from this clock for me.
4:31
